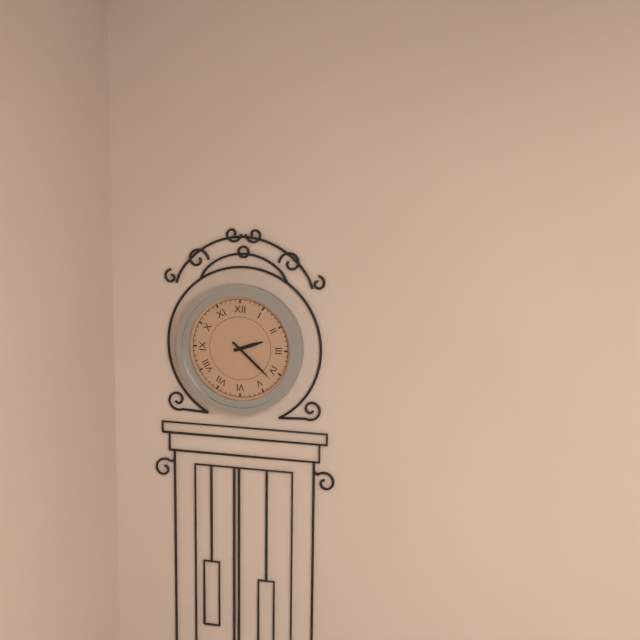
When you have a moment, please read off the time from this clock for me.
2:22
